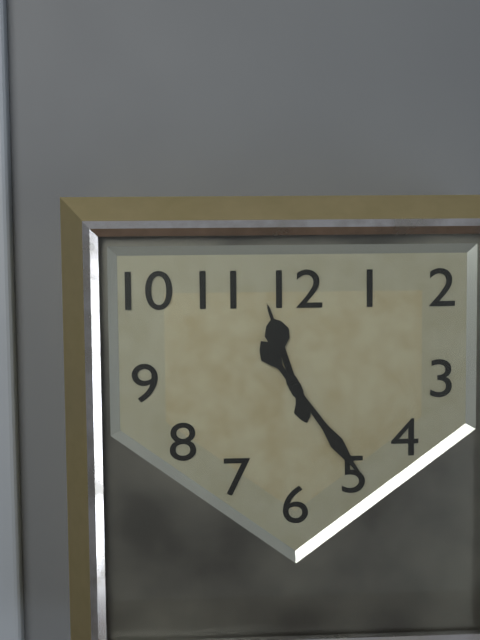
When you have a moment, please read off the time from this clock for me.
11:24
